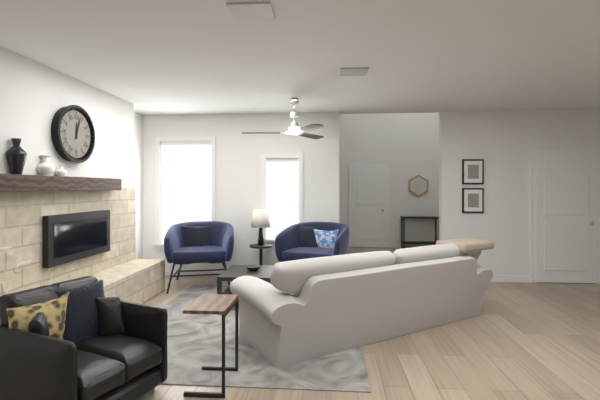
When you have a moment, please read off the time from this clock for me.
12:03
